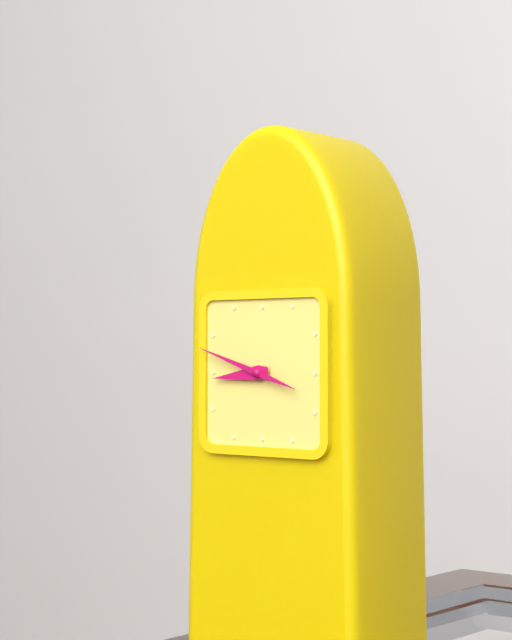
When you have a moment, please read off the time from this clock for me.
8:48
